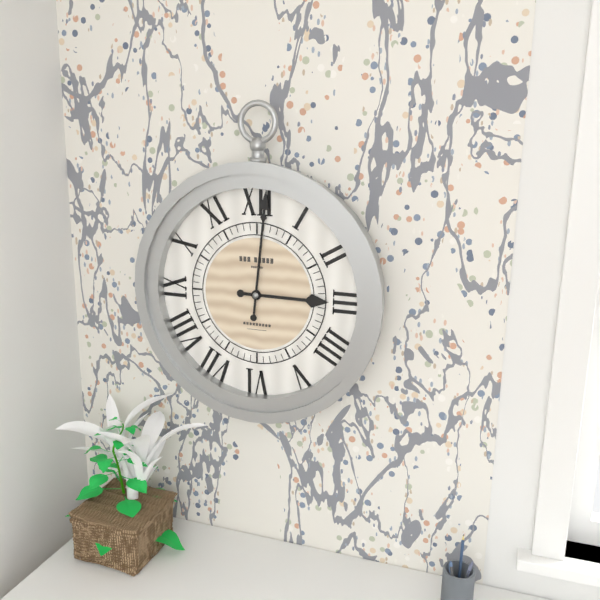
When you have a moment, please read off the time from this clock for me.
3:01
